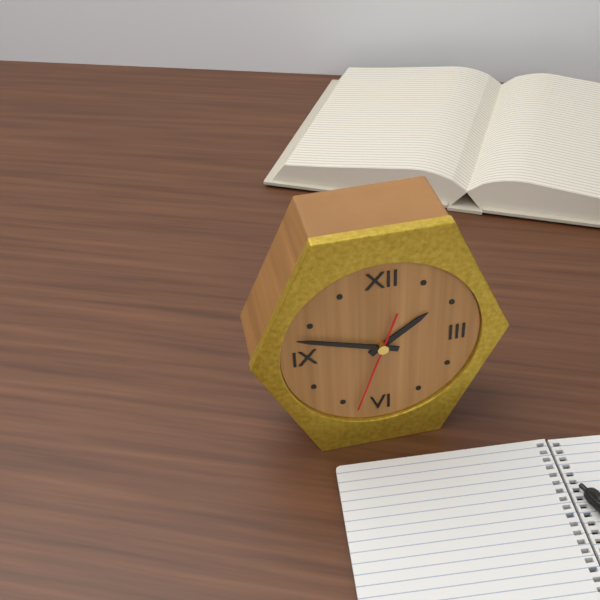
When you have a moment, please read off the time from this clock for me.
1:48:33
